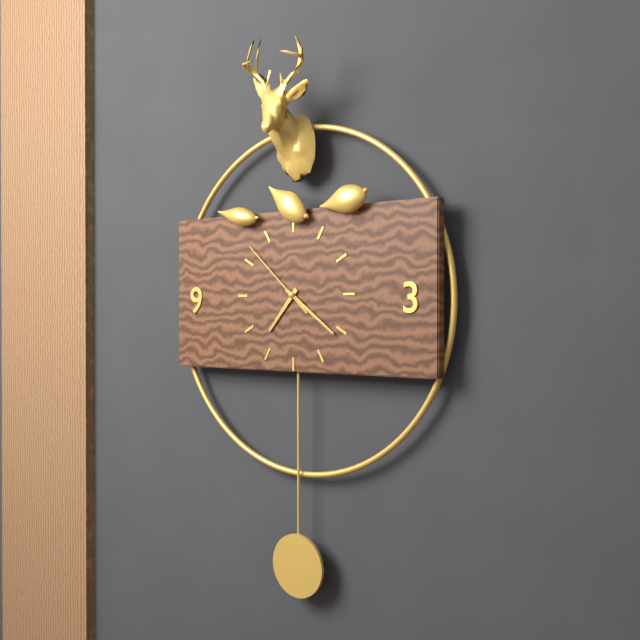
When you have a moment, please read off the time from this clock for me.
7:21:52
